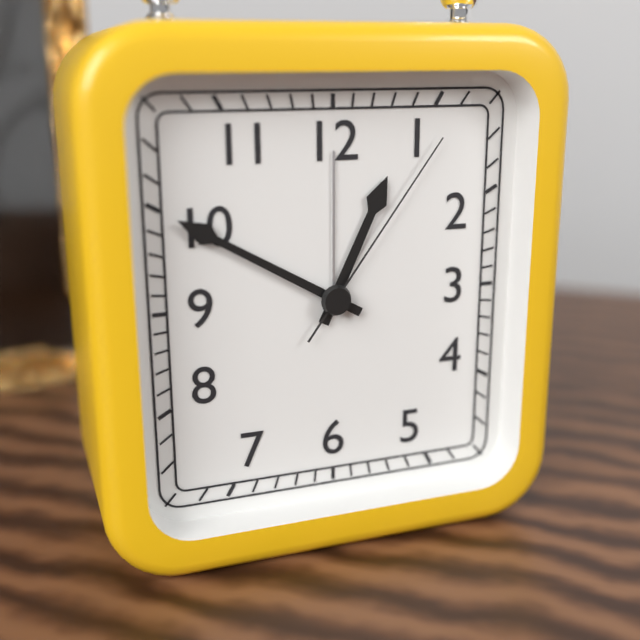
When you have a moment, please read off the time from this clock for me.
12:50:06
